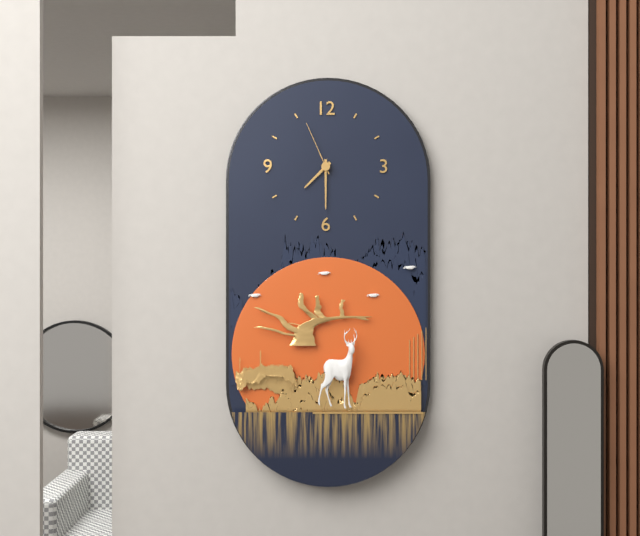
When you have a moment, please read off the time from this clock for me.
7:30:56
